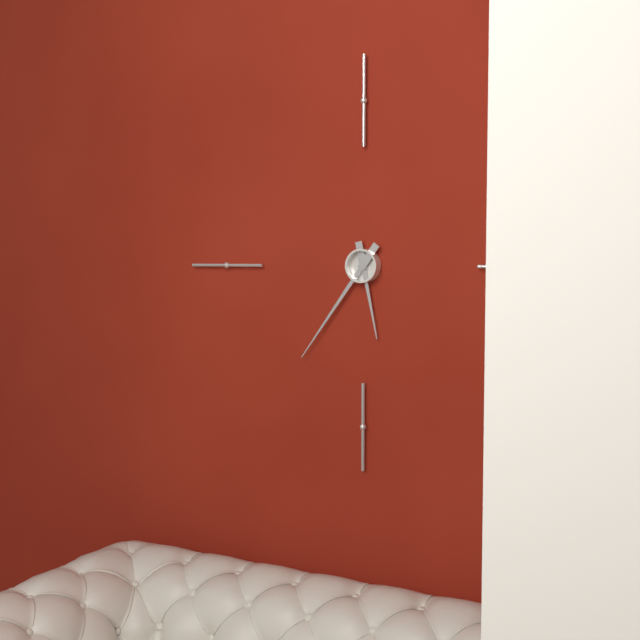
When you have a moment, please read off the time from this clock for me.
5:36
